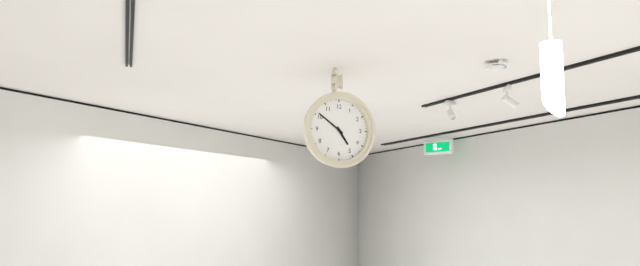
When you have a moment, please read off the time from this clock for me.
4:51
